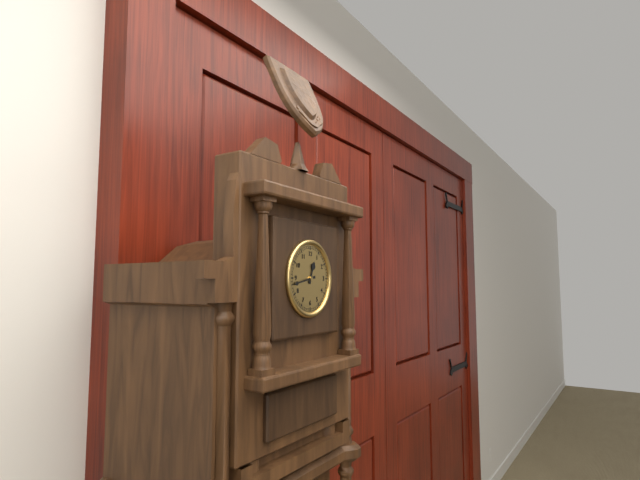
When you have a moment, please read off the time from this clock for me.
12:43
